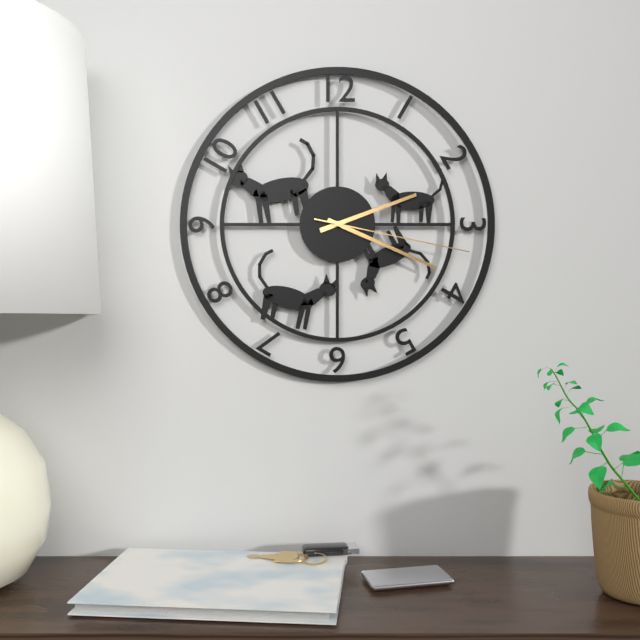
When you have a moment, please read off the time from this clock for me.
2:19:17
